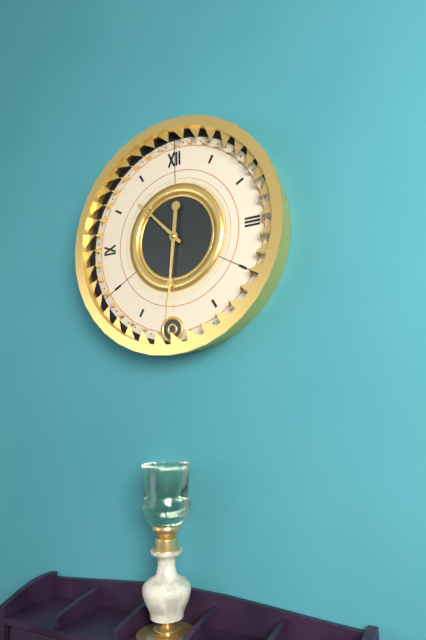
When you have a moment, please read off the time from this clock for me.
10:31
